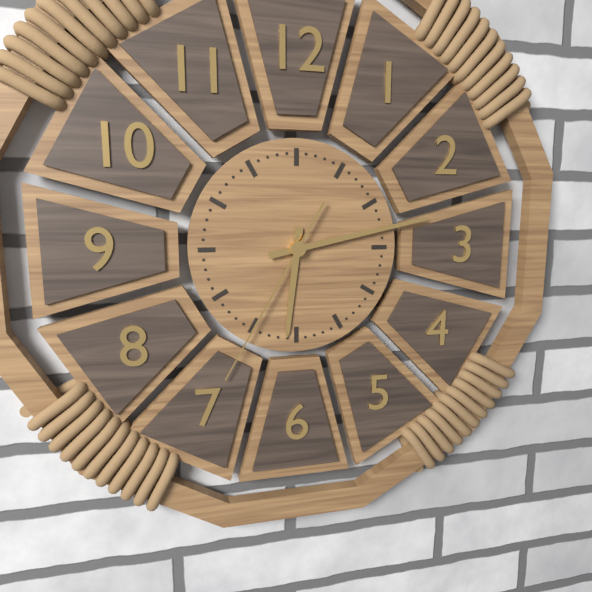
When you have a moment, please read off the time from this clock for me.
6:13:35
